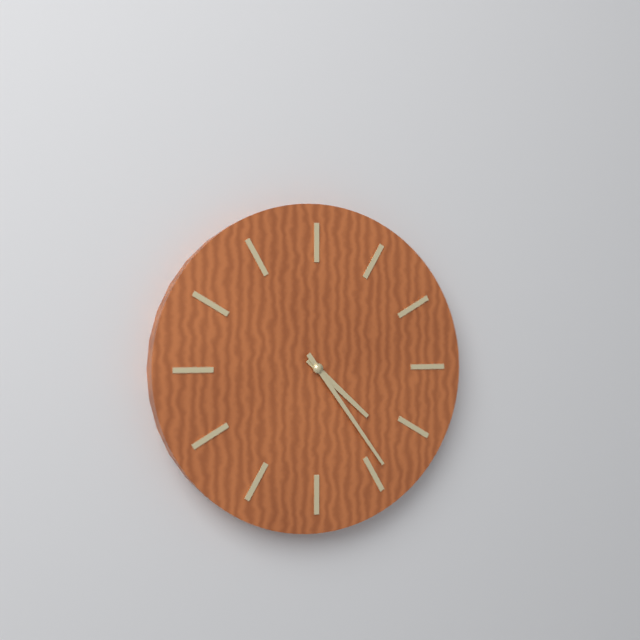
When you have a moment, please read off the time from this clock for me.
4:24
